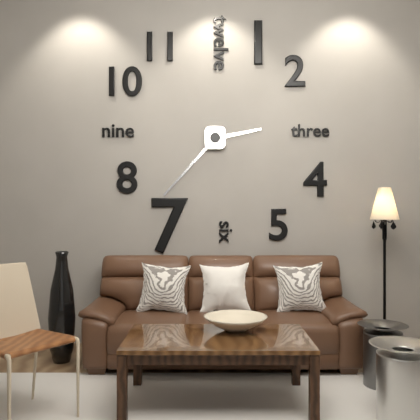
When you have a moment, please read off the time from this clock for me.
2:37
